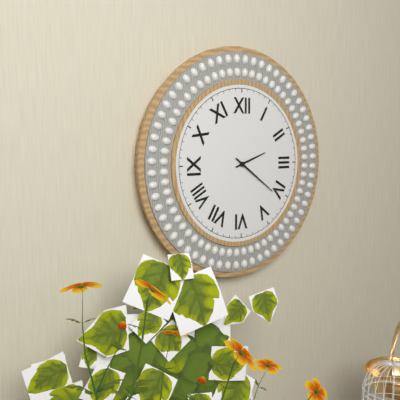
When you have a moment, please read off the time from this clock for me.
2:21
